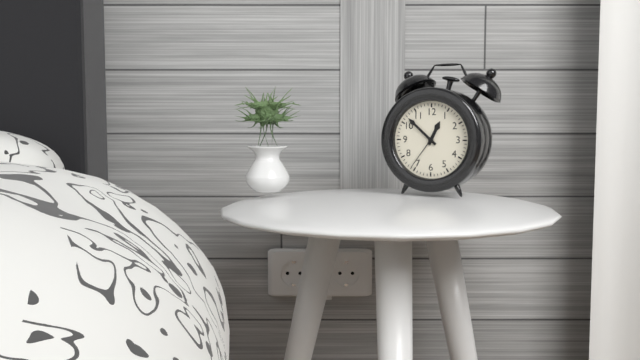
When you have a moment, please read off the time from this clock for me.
12:52
